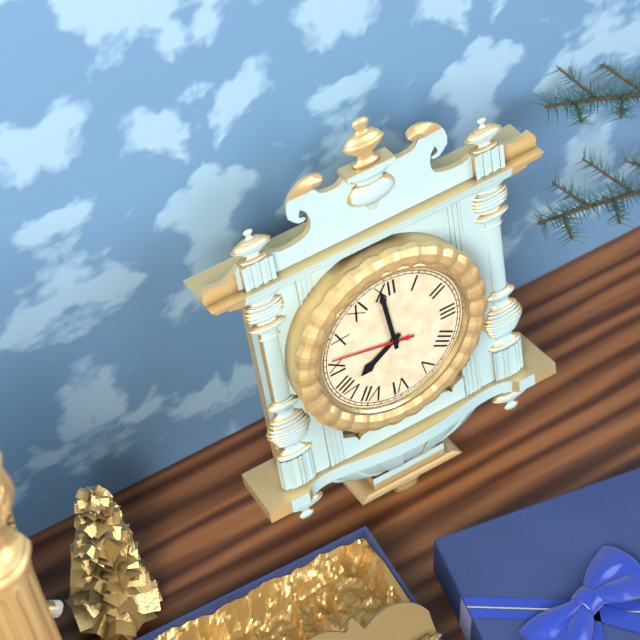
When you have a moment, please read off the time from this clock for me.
7:59:47
